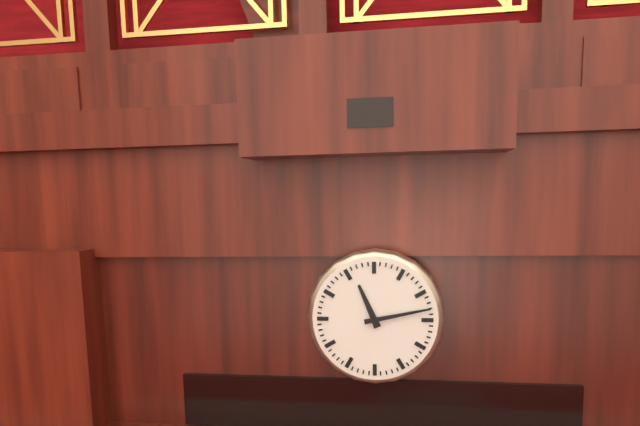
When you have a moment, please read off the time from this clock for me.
11:13
